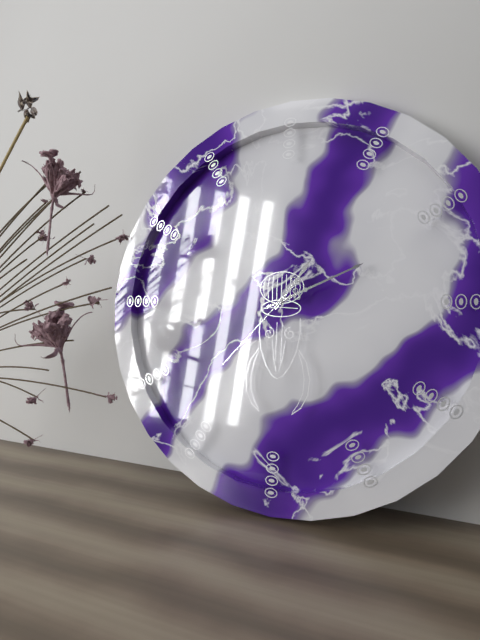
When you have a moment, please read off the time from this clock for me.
1:11:37
